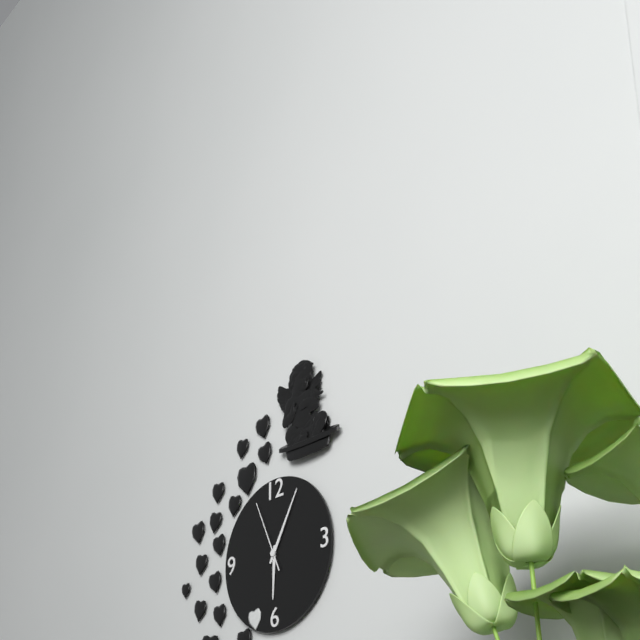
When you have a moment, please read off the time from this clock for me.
6:05:56
